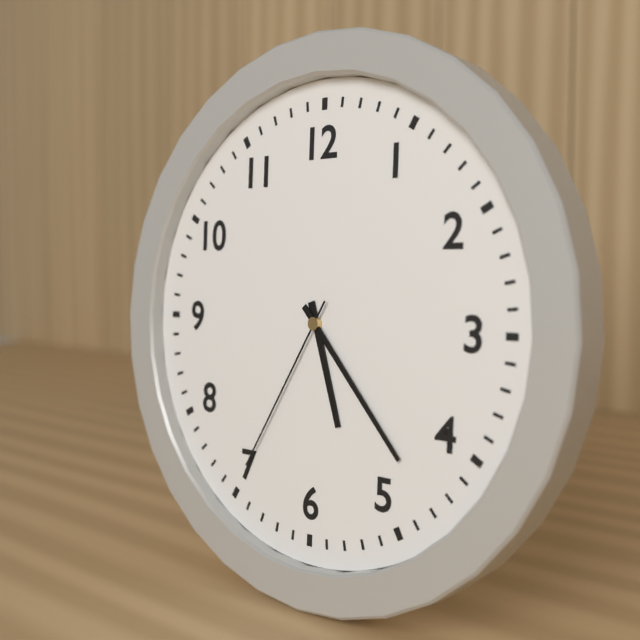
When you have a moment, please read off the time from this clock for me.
5:23:35
